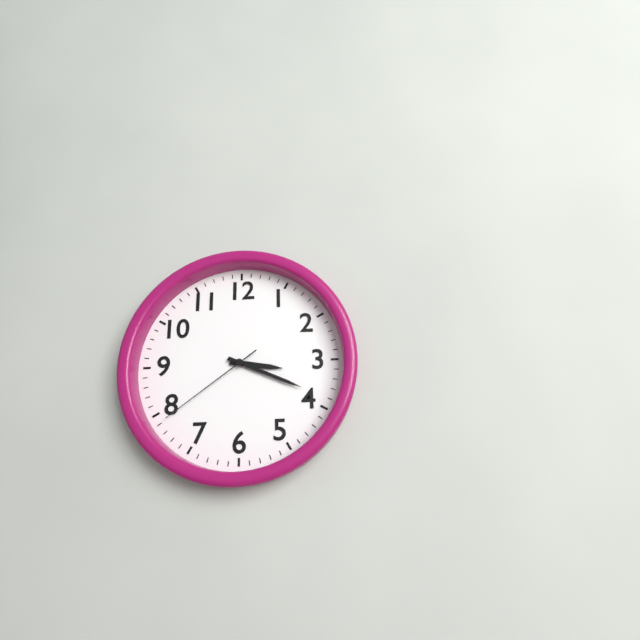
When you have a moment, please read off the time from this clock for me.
3:19:39
